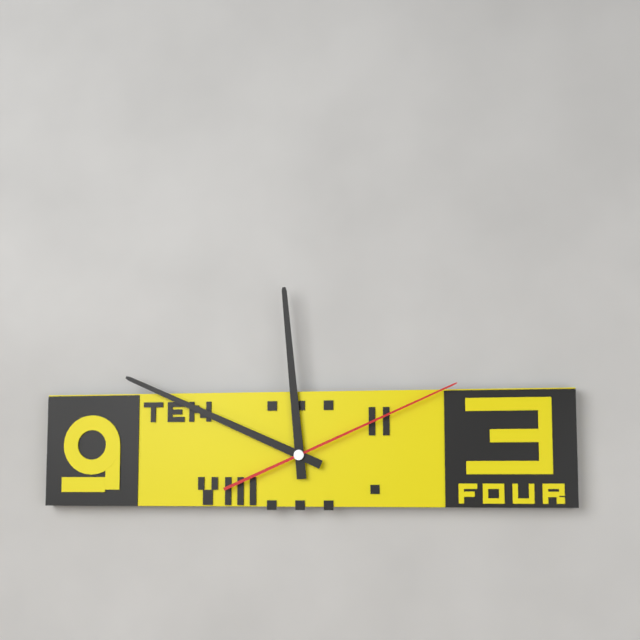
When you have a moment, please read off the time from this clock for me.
11:49:11
